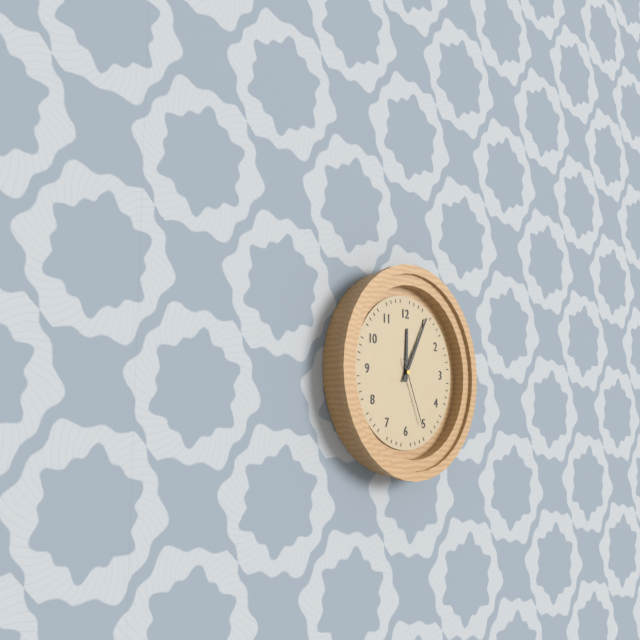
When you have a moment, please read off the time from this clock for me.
12:05:26
